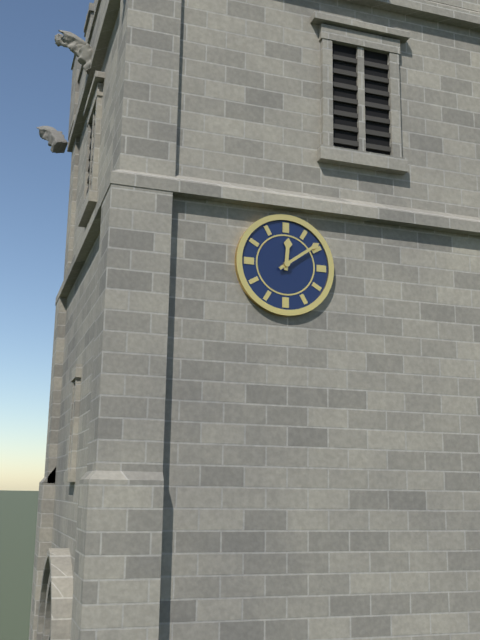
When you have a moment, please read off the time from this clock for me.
12:09
